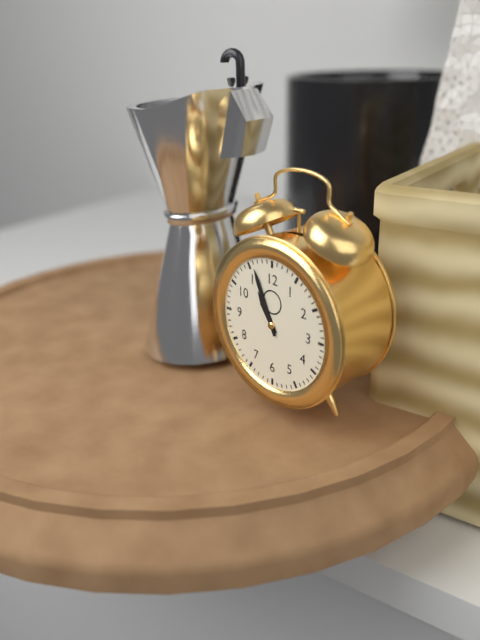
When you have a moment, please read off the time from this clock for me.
10:56
